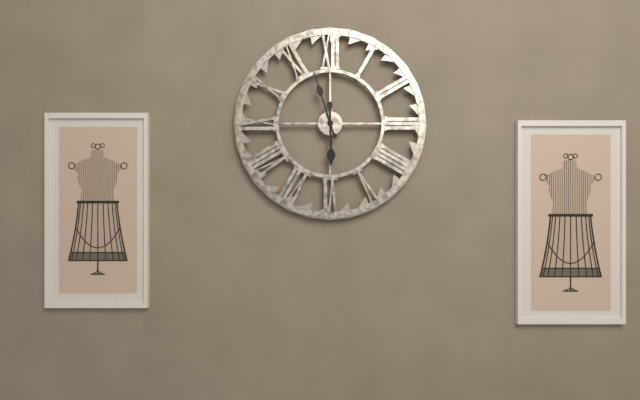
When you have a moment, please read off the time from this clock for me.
5:57
